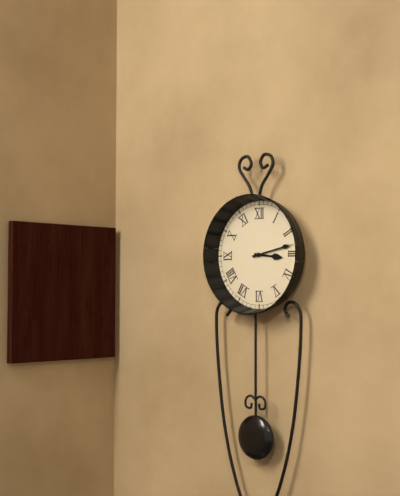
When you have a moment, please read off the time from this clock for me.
3:13
